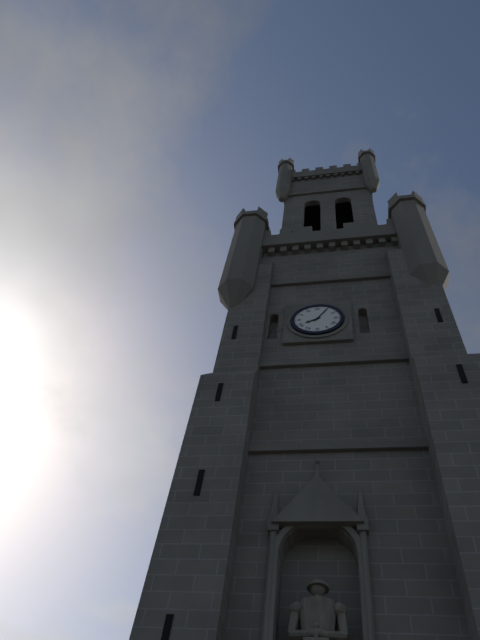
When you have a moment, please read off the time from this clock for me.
8:05
